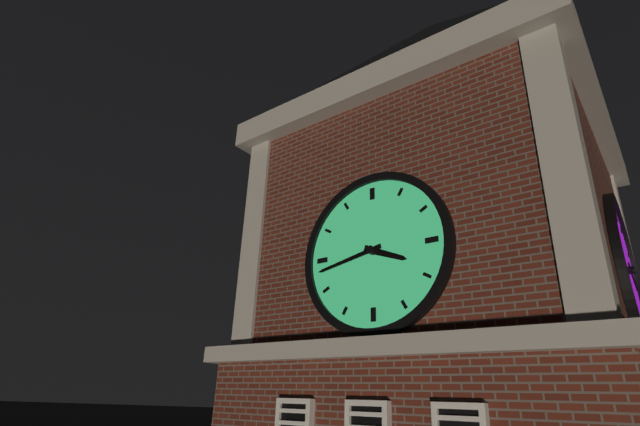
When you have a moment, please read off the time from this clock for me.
3:43
